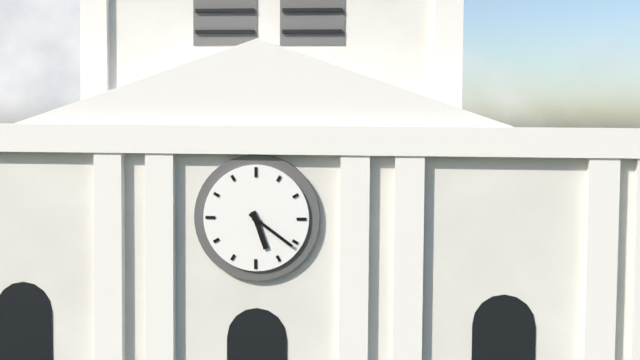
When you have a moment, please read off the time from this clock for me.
5:21
